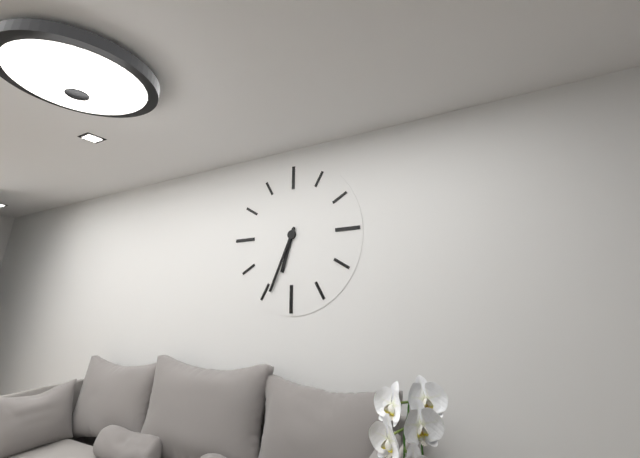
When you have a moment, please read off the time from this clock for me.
6:34
